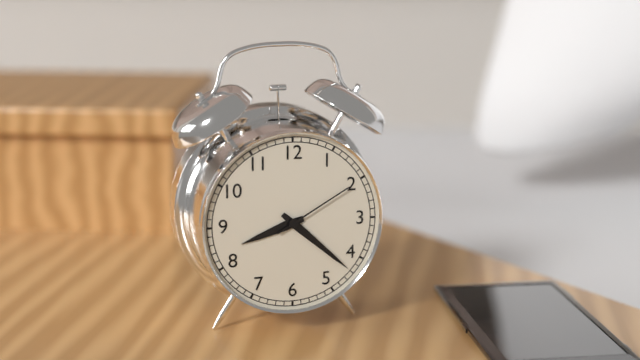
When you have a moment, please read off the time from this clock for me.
8:22:10
